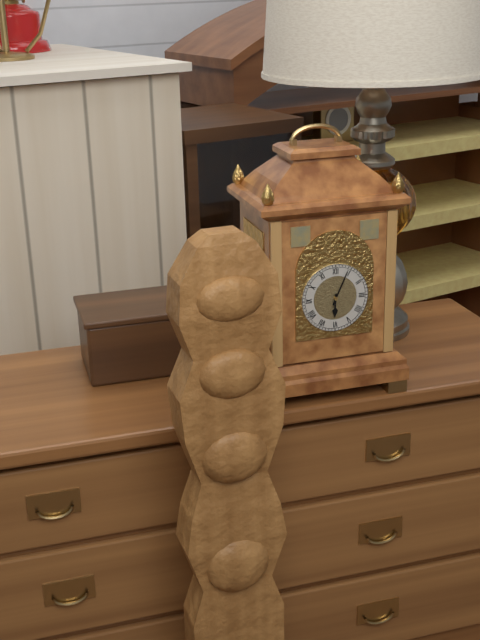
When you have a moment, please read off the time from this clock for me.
6:04
